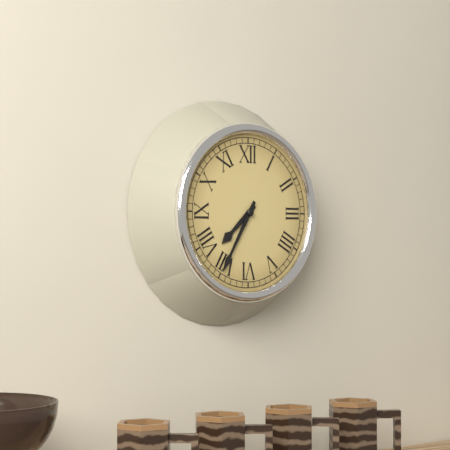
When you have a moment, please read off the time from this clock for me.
7:35
